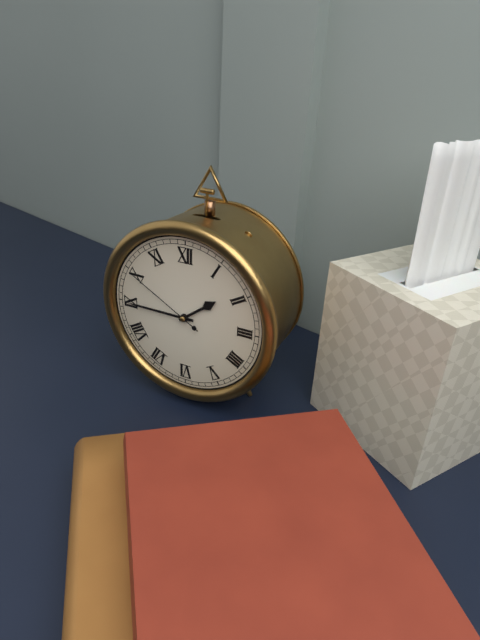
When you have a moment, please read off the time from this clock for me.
1:45:50
